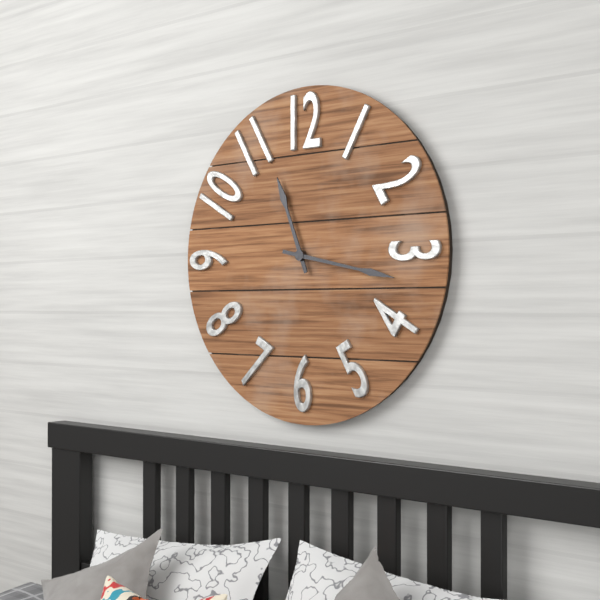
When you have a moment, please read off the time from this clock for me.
11:17
